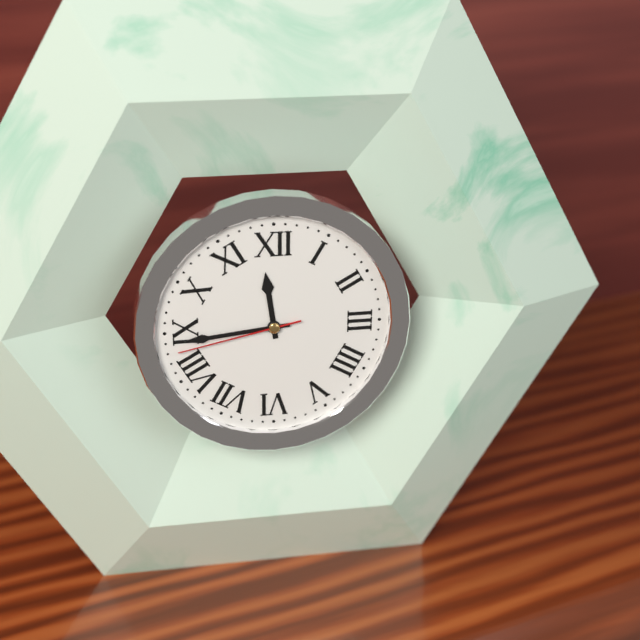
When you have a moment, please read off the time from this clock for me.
11:44:43
